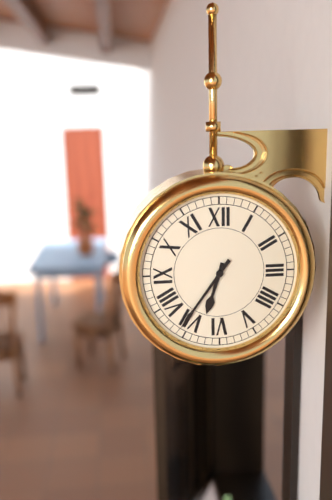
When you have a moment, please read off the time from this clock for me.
6:36
